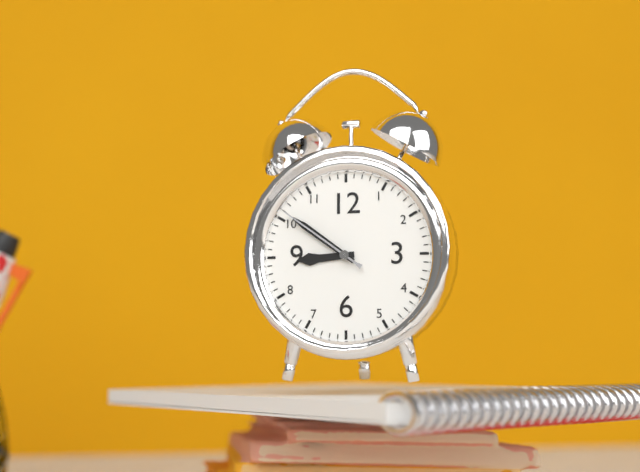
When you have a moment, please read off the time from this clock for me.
8:51:51
